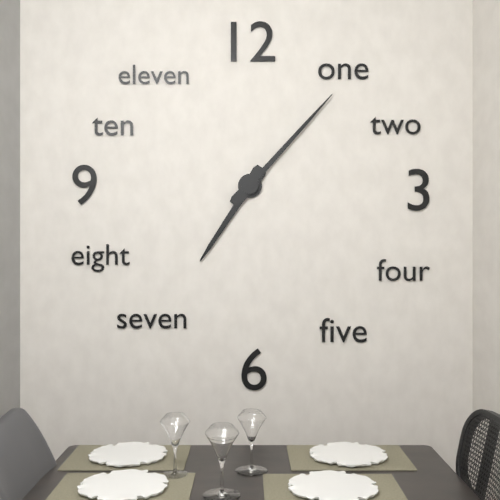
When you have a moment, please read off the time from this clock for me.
7:07
